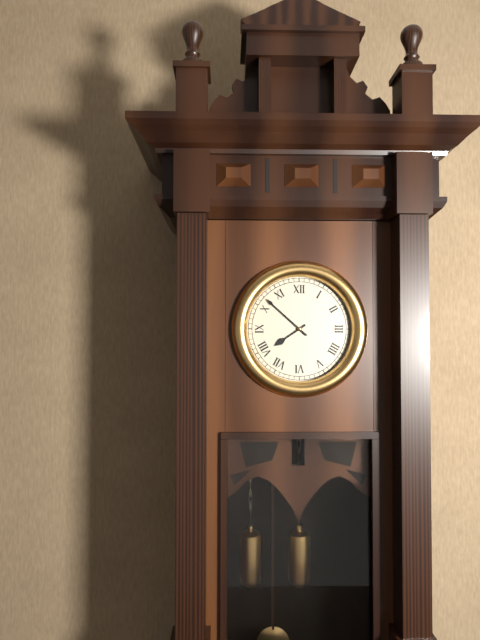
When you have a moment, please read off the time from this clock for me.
7:52
